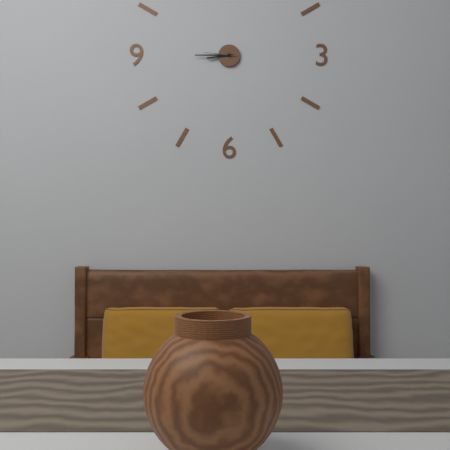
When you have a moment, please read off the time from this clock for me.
8:45
